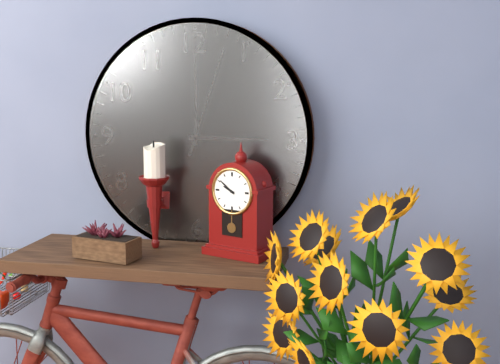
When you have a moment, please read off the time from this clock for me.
9:51
